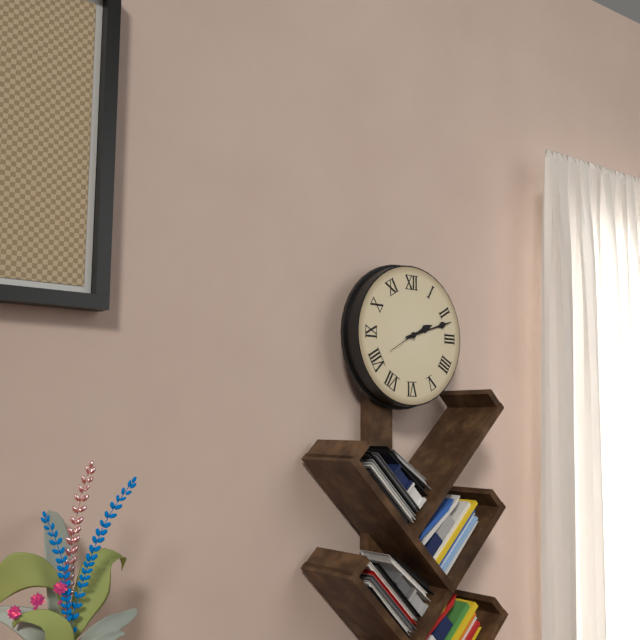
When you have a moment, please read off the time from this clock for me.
2:12
